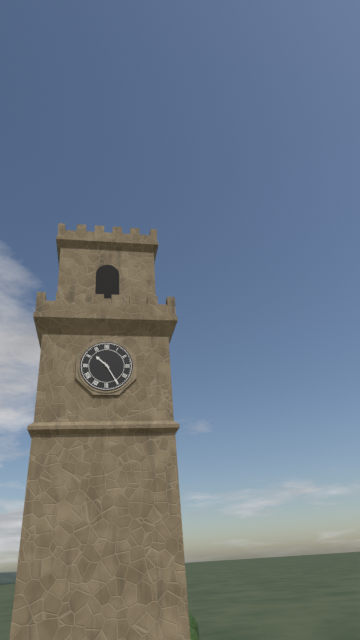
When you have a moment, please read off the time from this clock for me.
10:25
